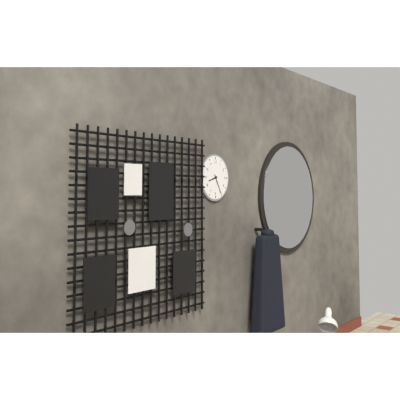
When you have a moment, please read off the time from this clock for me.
8:25
